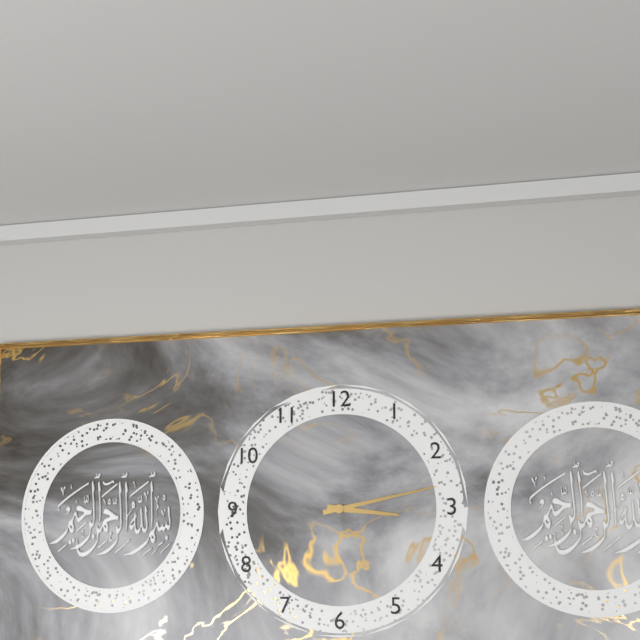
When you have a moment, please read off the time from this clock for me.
3:13
